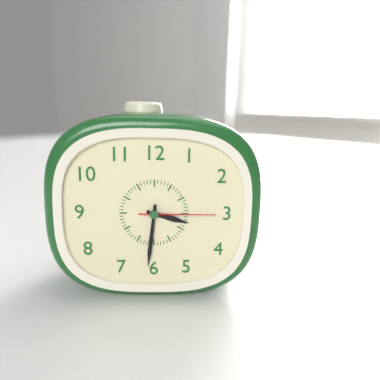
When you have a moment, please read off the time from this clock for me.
3:31:15
